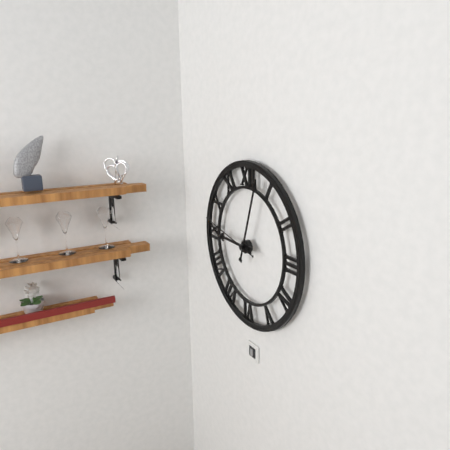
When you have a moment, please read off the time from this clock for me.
9:03:47
